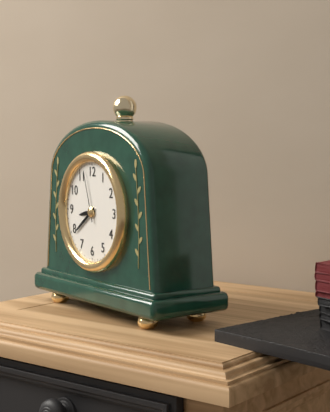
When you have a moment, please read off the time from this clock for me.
8:39:57
